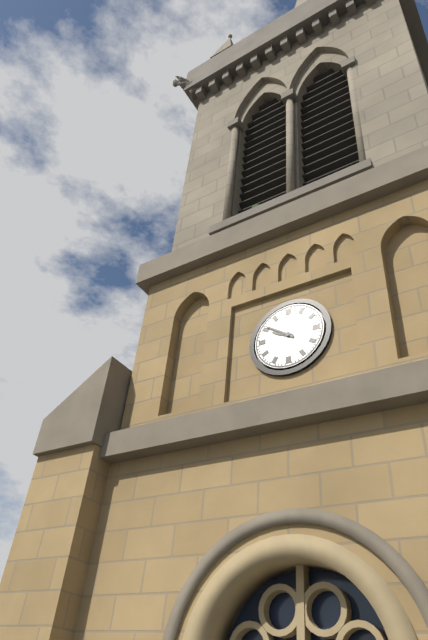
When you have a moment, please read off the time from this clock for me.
9:51
